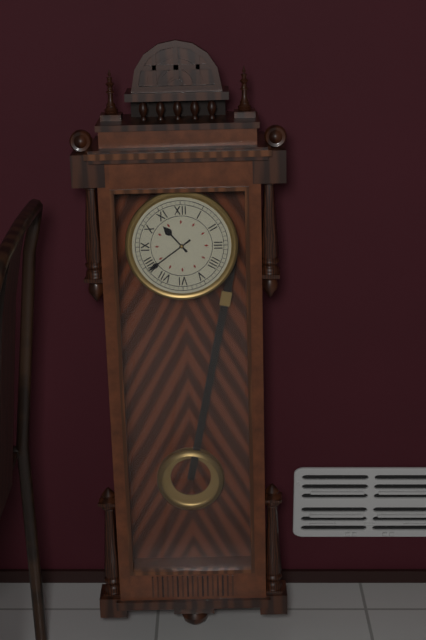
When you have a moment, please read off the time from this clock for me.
10:39
